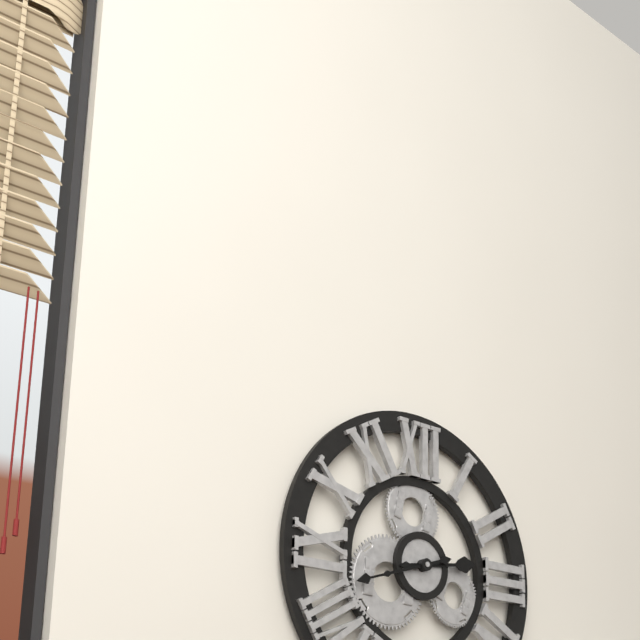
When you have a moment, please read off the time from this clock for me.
2:42
